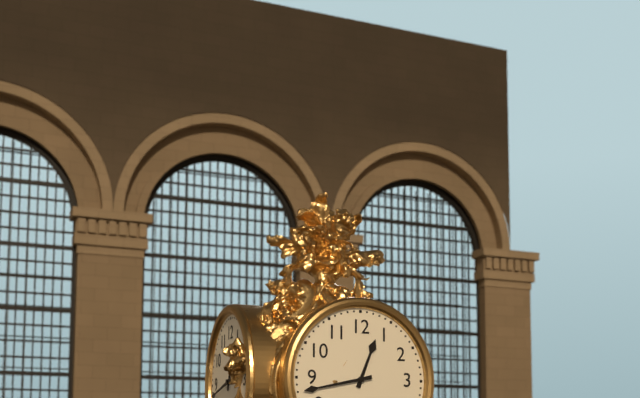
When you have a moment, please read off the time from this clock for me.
12:43
